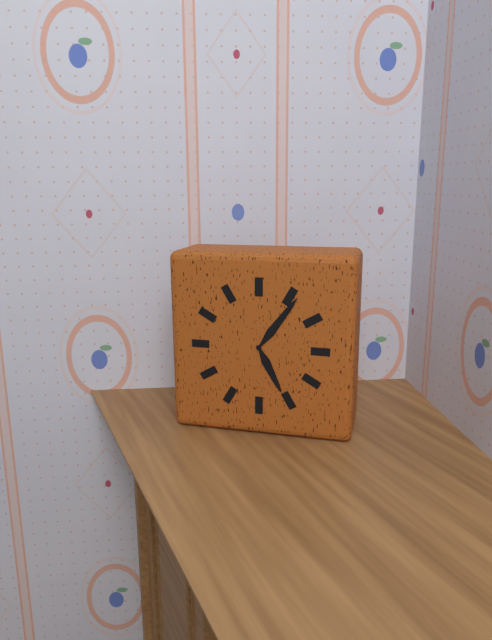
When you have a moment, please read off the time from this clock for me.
5:06
